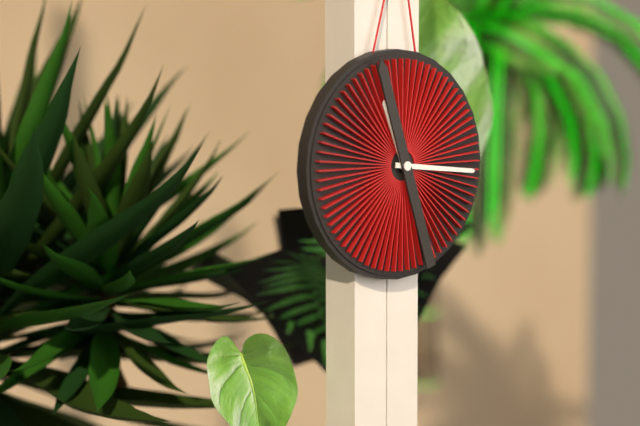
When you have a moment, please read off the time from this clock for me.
11:16:57
